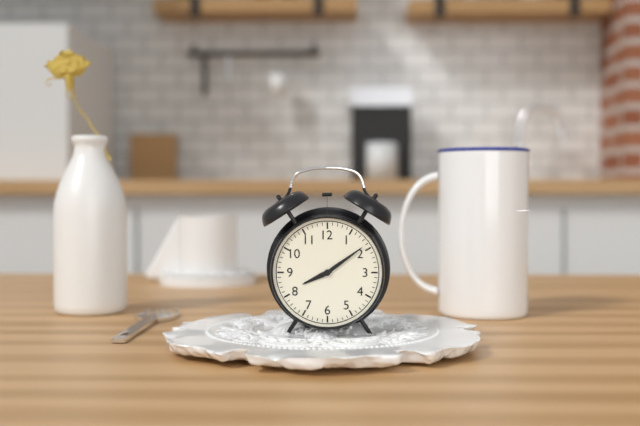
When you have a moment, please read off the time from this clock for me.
8:09
